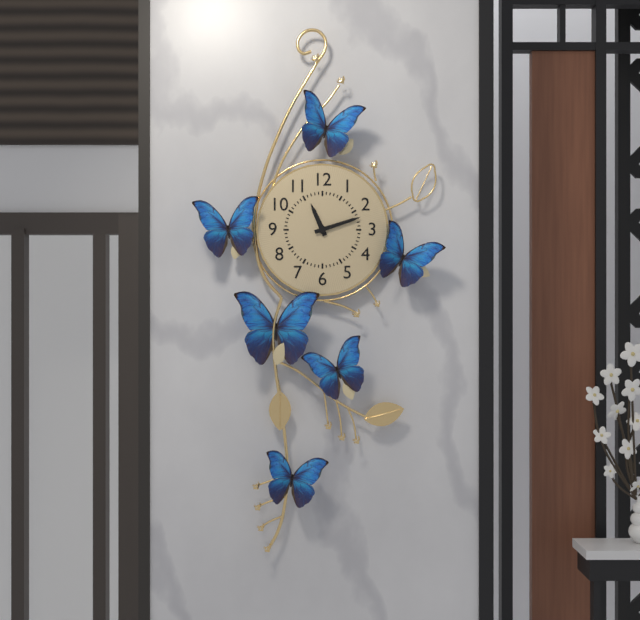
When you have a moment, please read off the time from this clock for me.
11:12
